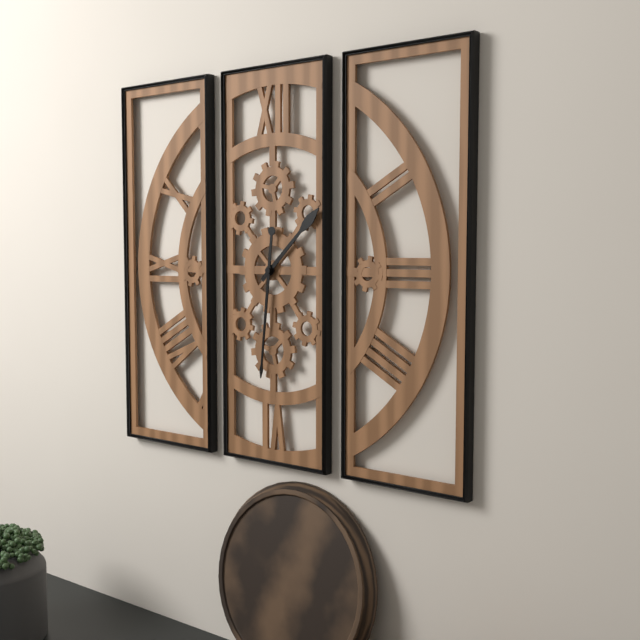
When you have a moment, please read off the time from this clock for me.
1:31
